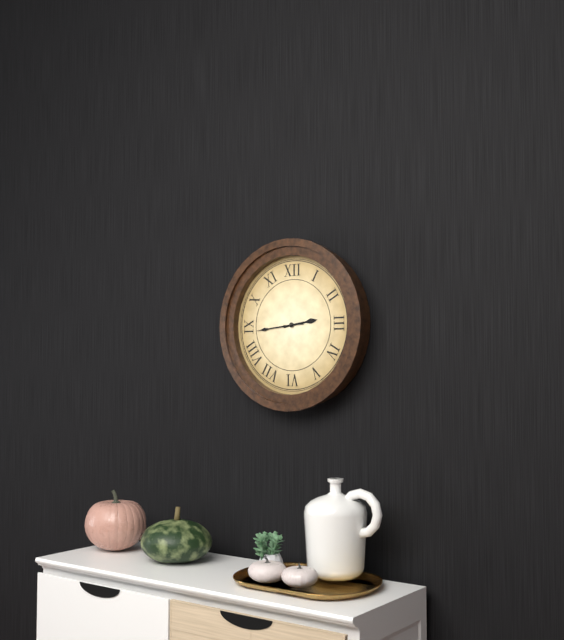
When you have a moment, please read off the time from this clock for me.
2:44
